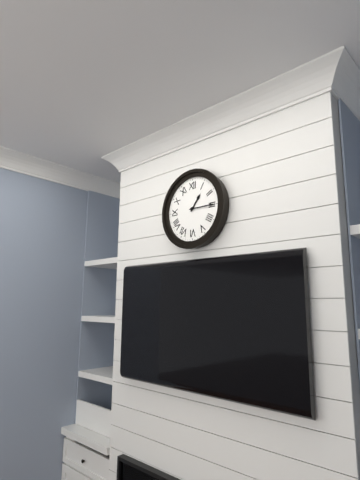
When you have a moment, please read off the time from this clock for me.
1:15
